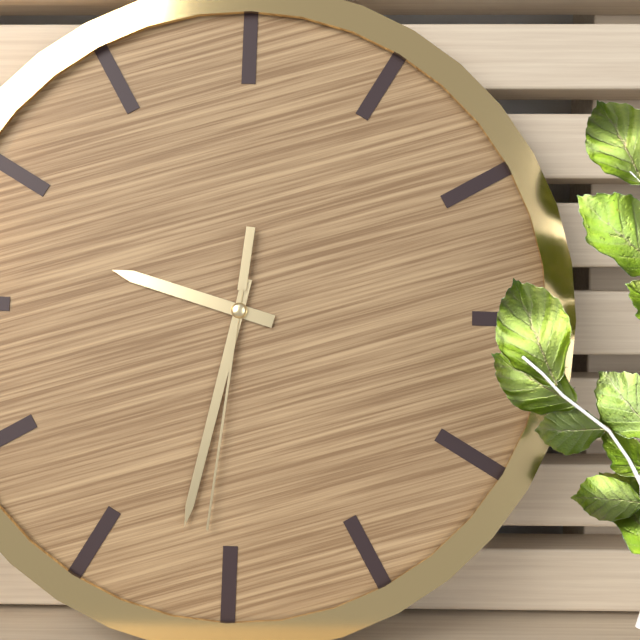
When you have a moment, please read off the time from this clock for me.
9:32:31
